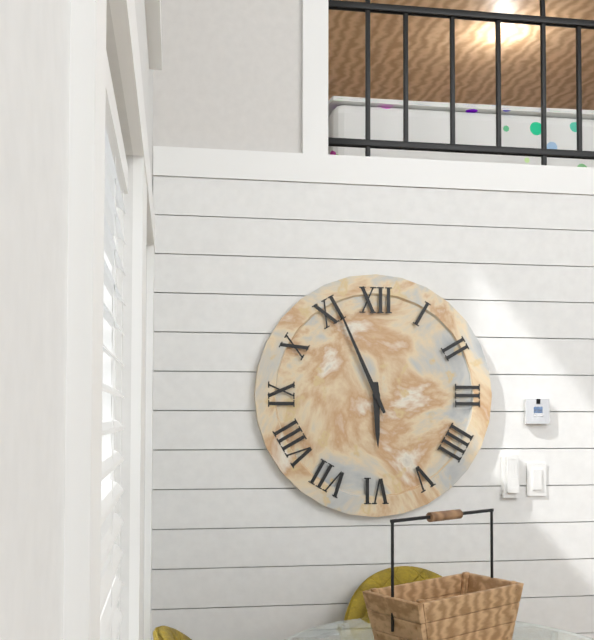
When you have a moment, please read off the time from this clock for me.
5:56
